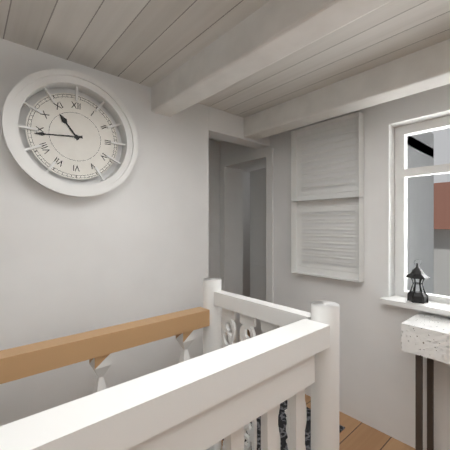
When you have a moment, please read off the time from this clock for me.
10:44
